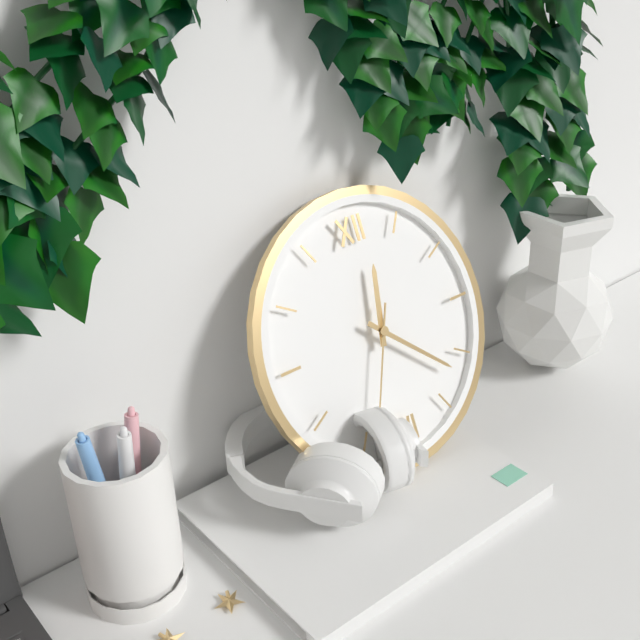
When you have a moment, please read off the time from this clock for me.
12:22
